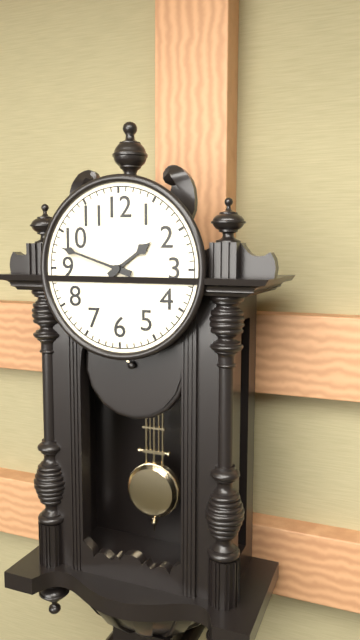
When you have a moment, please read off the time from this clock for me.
1:48
